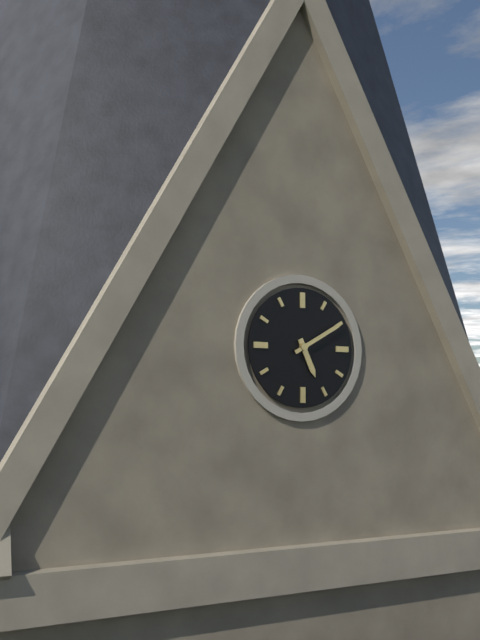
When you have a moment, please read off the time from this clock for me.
5:10
